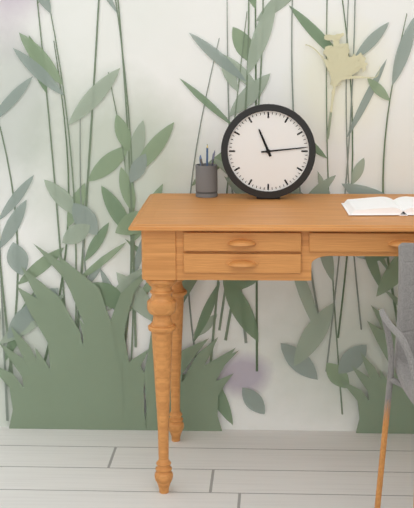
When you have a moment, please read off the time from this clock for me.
11:14
